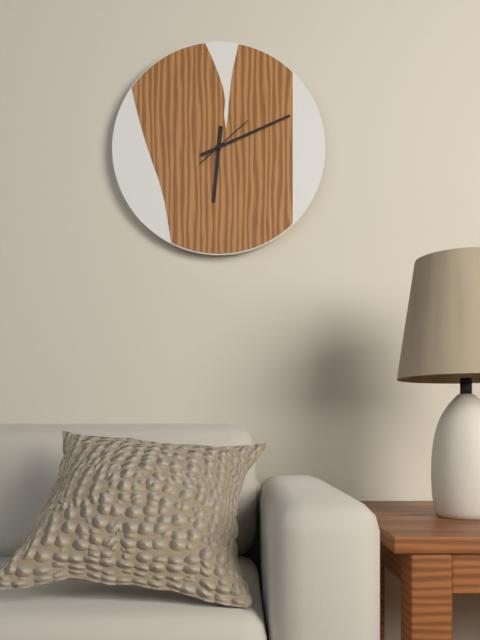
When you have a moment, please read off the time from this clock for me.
6:11:08
